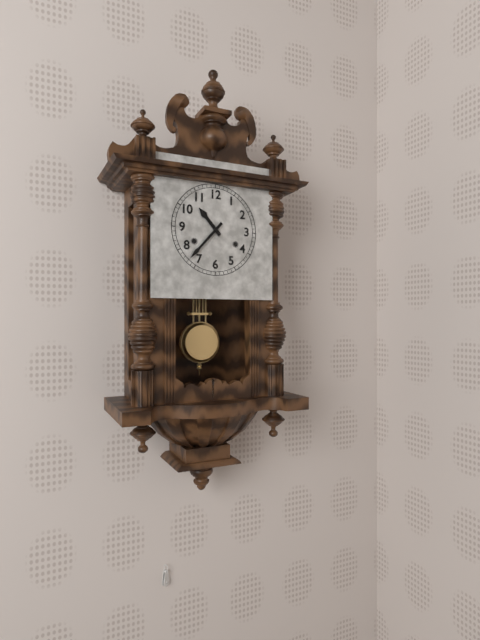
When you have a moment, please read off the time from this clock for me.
10:37
